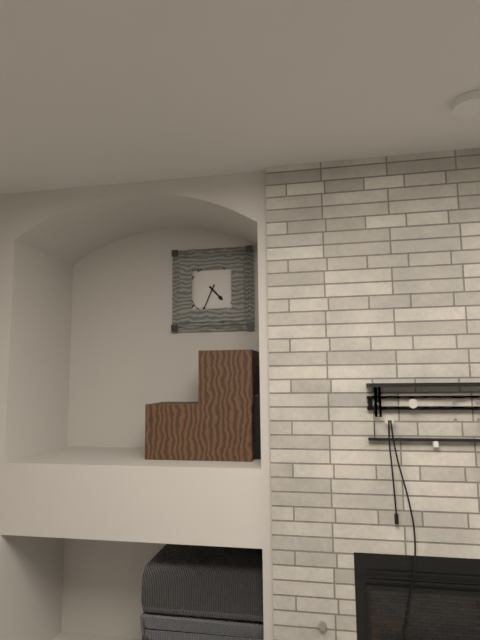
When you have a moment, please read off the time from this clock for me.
4:34
